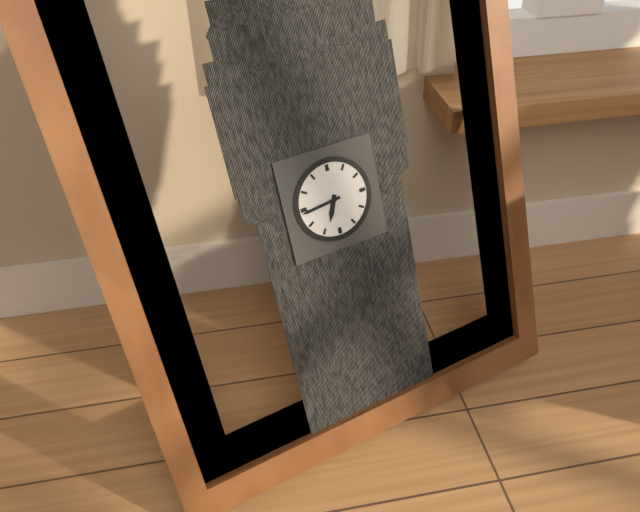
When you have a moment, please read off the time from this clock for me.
6:44
